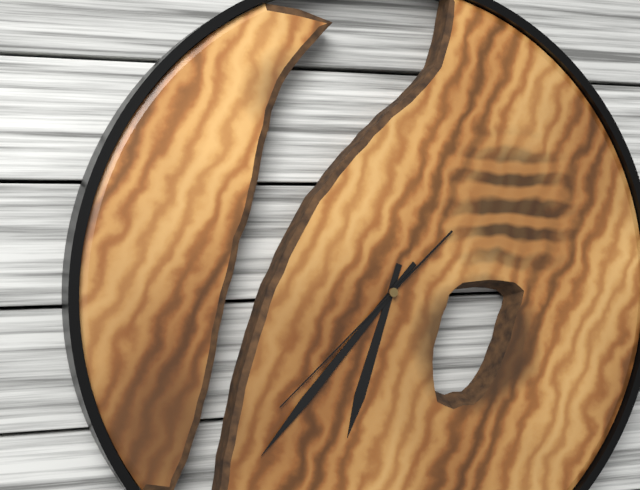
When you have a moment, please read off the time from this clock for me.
6:37:38
